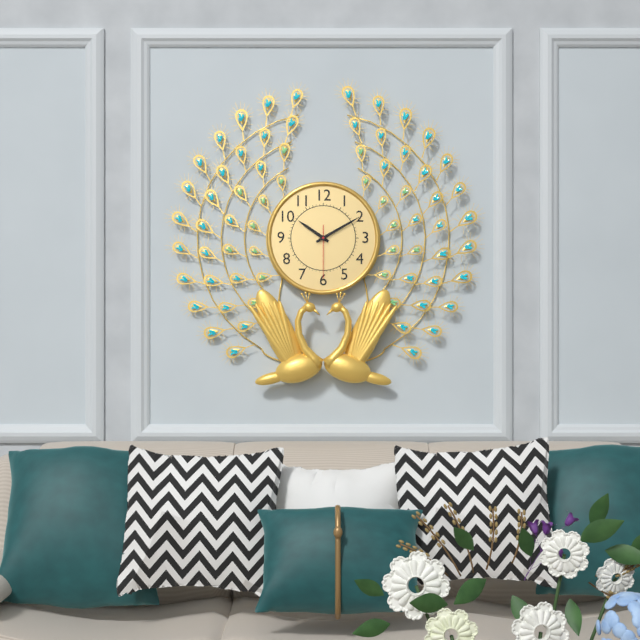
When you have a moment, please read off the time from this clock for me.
10:10:30
